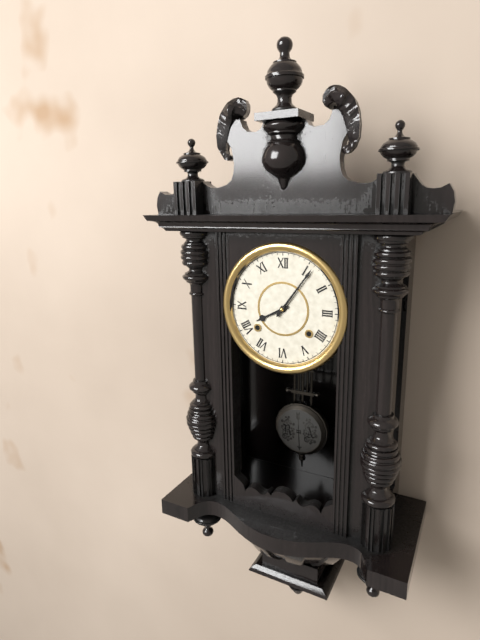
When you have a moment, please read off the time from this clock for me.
8:06
